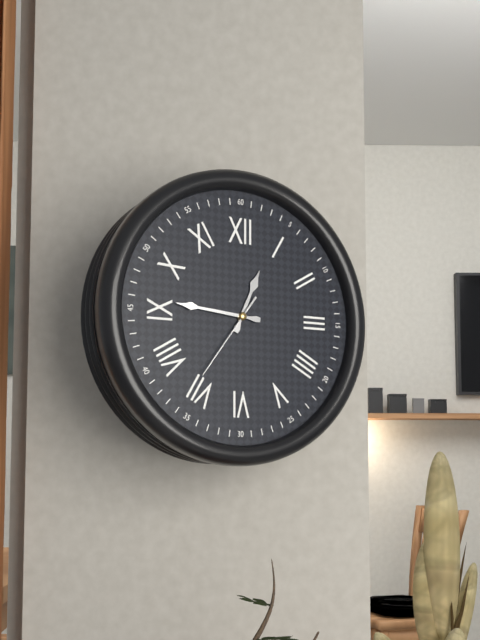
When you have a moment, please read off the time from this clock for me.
12:46:36
